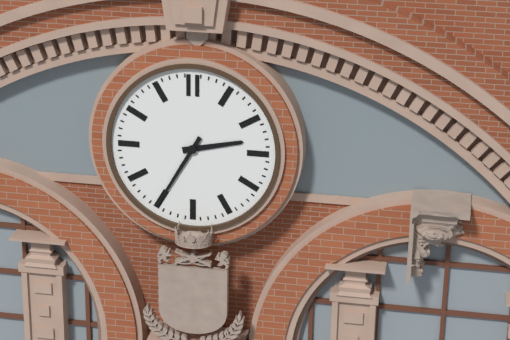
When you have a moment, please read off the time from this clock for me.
2:35
